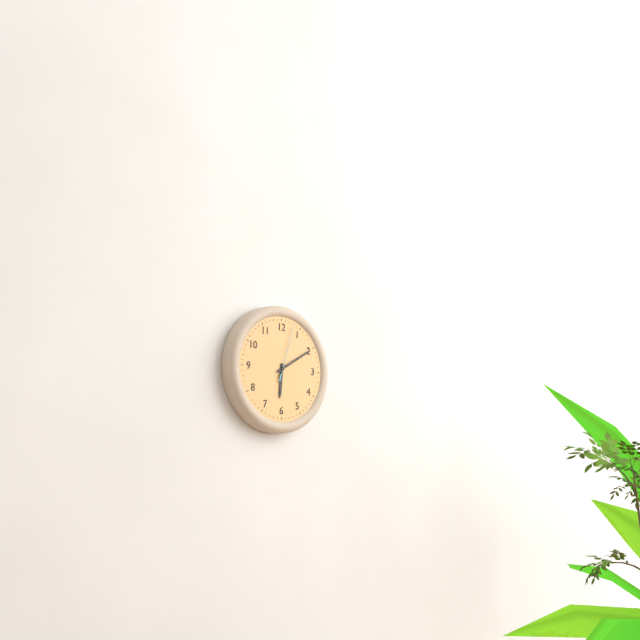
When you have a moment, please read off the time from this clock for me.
6:10:03
